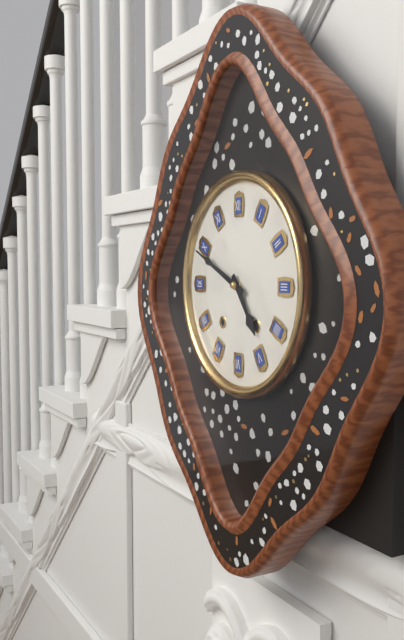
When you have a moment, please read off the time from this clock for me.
4:49
